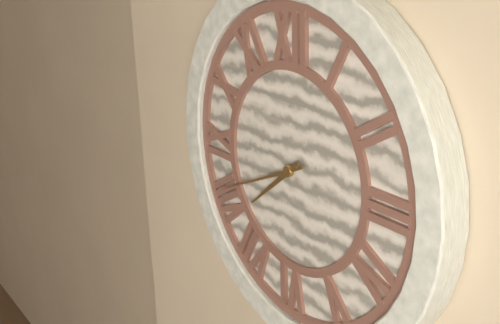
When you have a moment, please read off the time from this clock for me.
7:41
